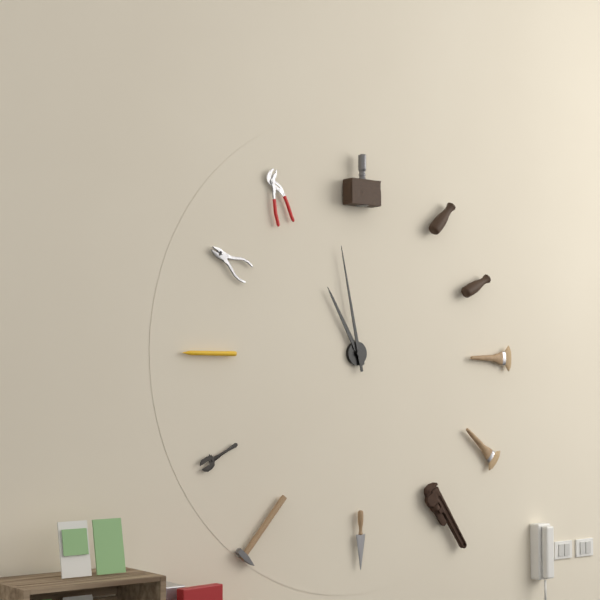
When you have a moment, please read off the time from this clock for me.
10:58
